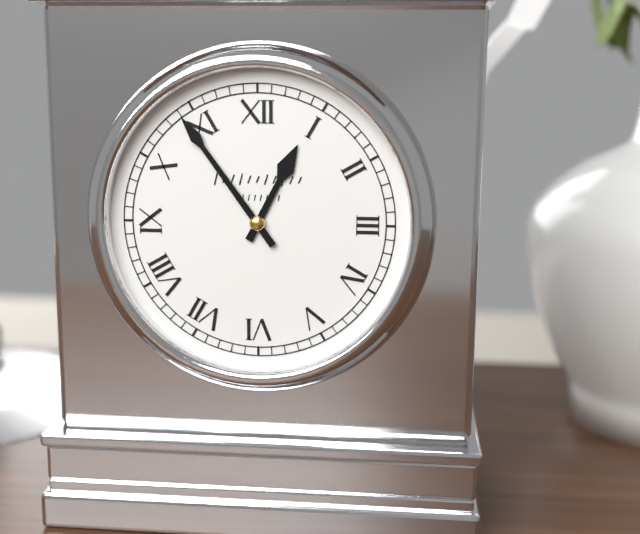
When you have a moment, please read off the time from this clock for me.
12:54
